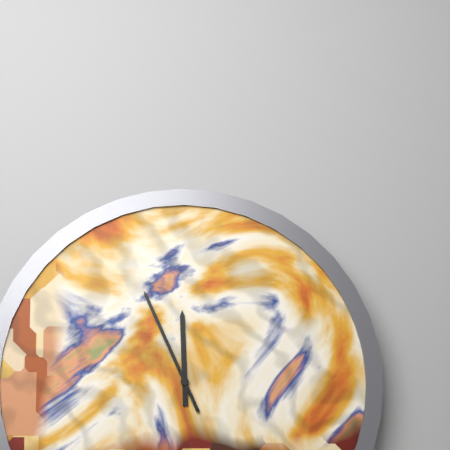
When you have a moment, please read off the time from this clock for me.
11:56
